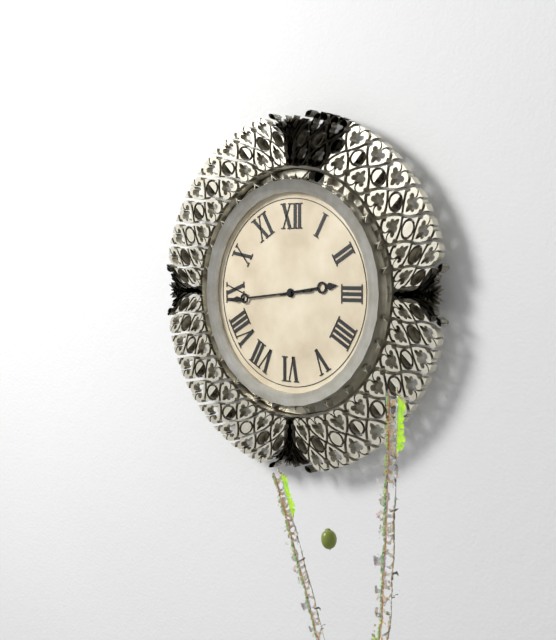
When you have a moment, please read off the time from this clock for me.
2:44
